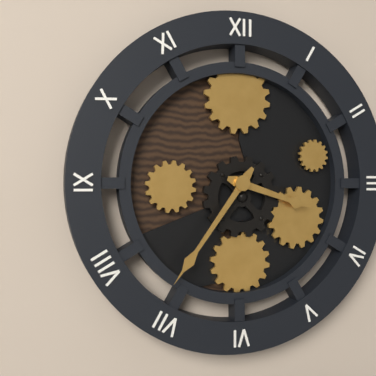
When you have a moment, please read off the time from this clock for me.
3:36
